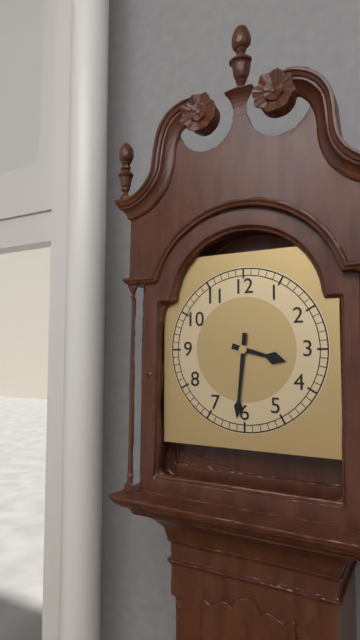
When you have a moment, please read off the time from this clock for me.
3:31
